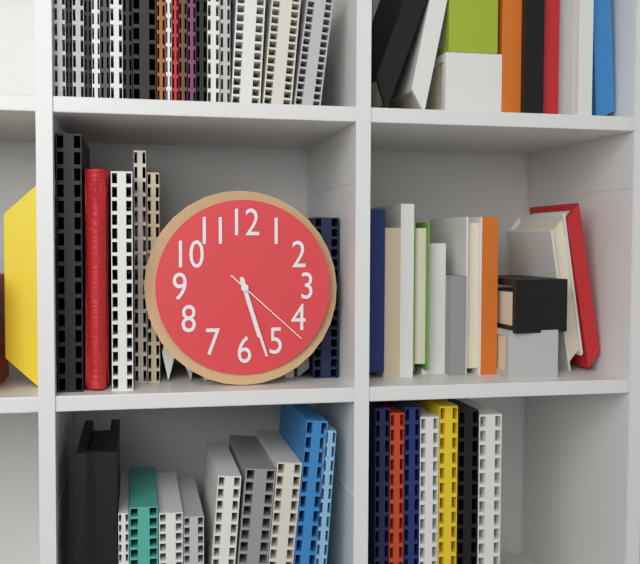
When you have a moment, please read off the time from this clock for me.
5:27:22
